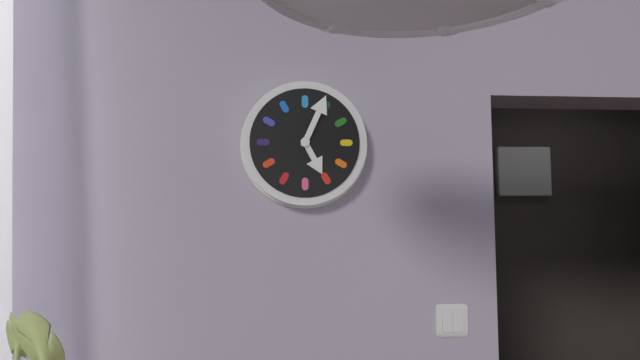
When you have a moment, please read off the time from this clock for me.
5:04
